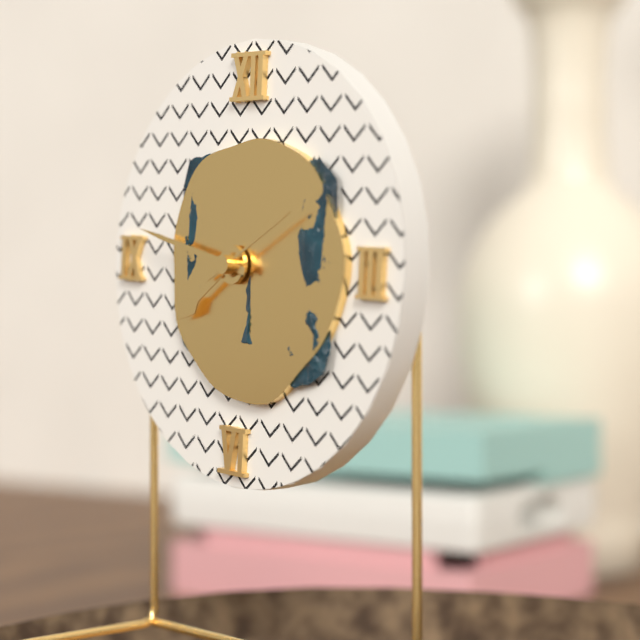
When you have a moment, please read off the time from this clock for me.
7:47:10
